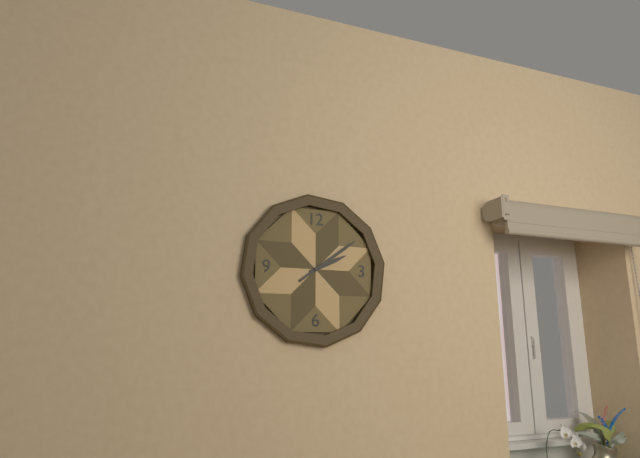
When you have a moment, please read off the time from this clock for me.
2:09
